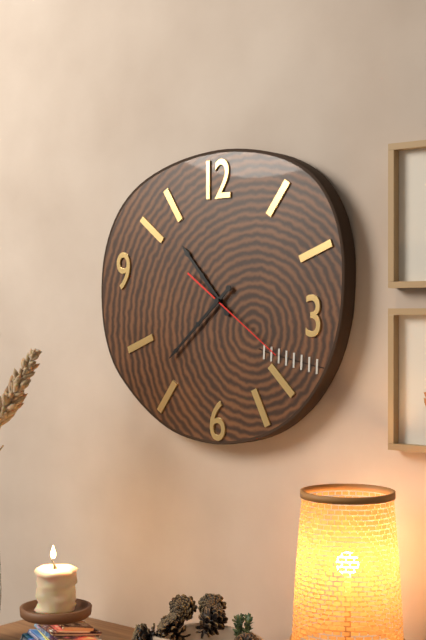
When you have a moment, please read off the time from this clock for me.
10:38:21
